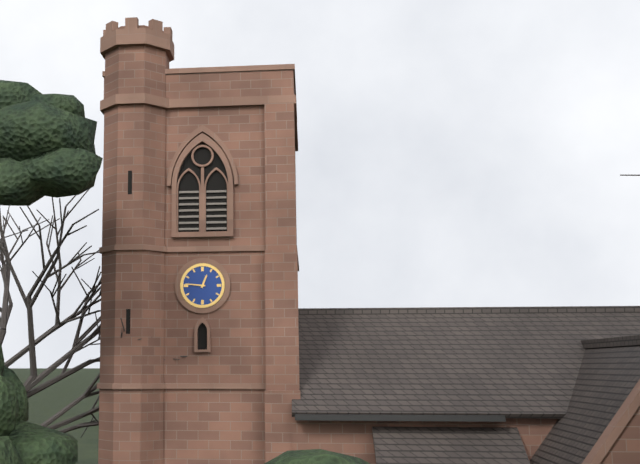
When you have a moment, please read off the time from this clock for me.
12:46
